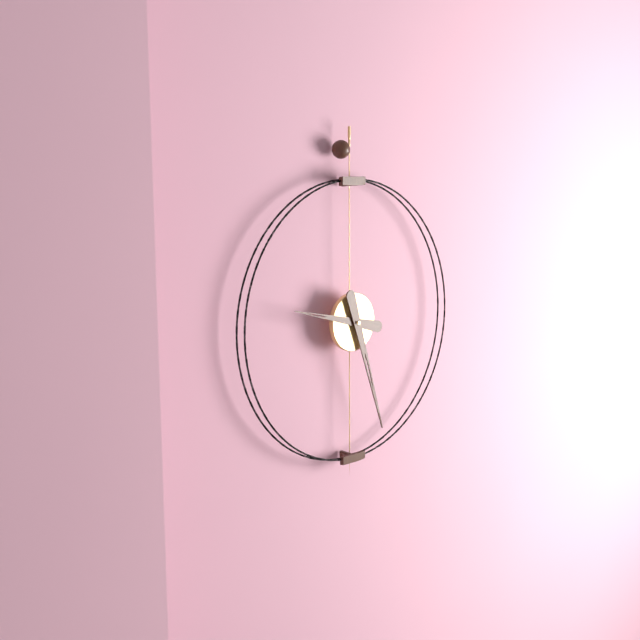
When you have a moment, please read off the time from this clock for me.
9:27
